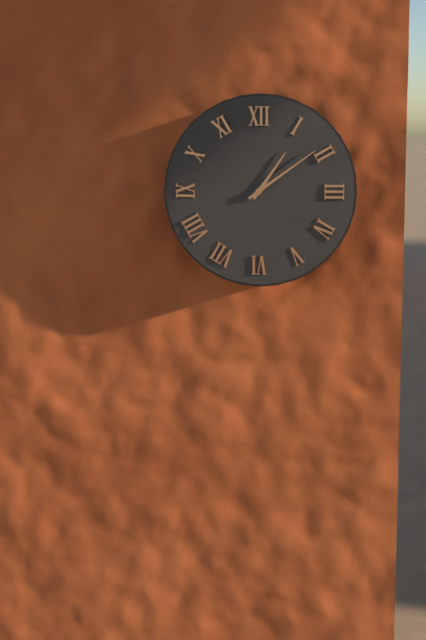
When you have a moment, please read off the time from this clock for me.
1:09
